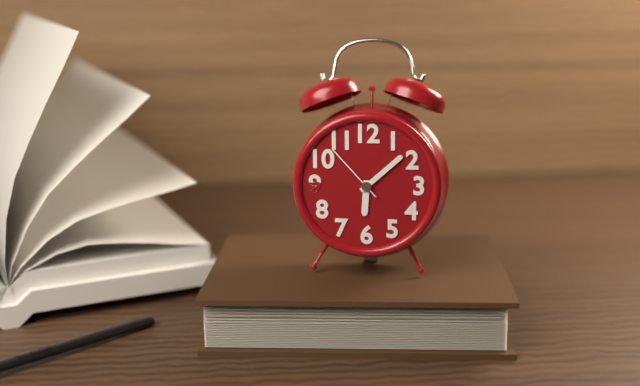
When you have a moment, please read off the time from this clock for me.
6:08:53
